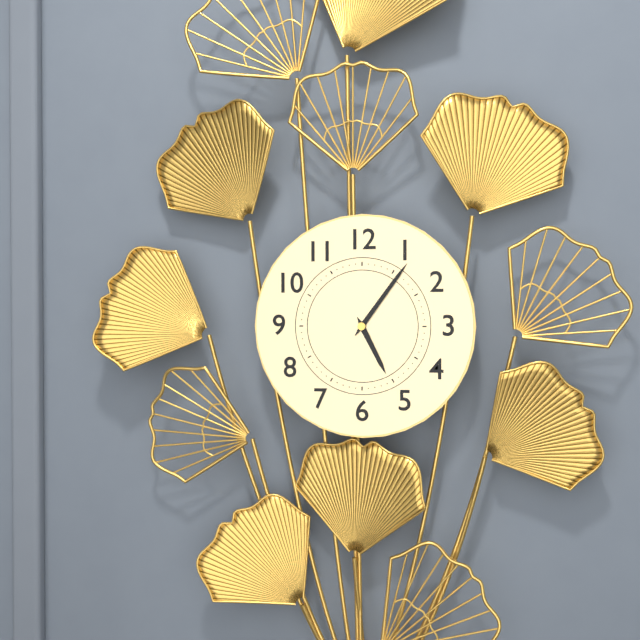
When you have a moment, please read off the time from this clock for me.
5:06
